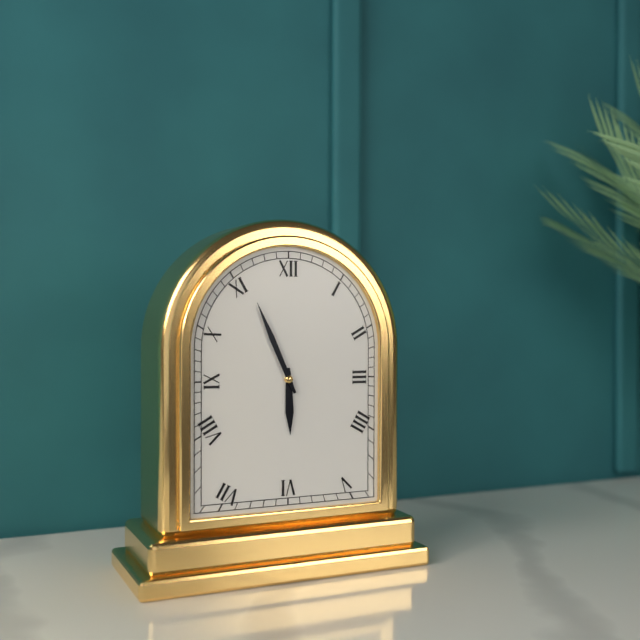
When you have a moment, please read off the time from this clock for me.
5:56
